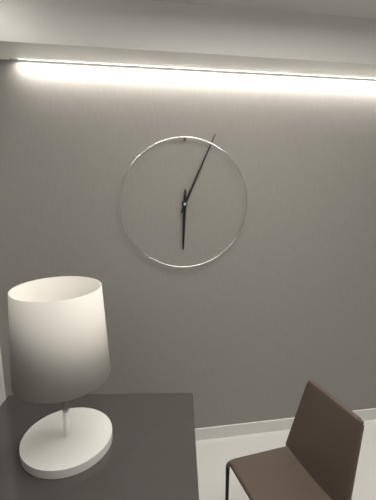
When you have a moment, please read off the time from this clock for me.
6:04
